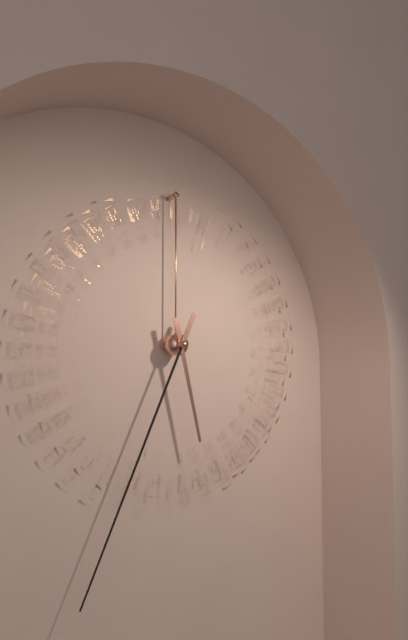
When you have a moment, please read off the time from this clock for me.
5:34
